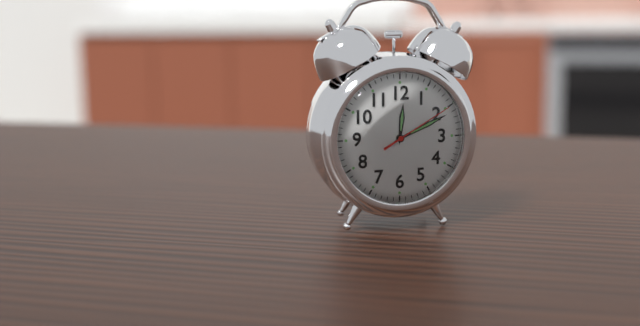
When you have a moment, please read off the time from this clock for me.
12:11:10
